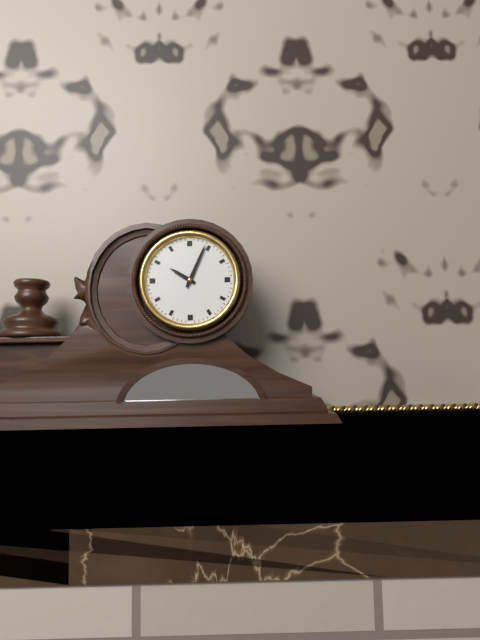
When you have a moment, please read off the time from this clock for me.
10:04
